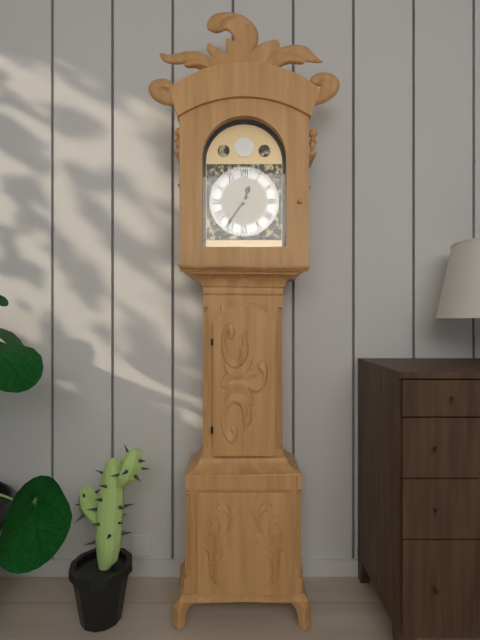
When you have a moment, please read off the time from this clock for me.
12:36
